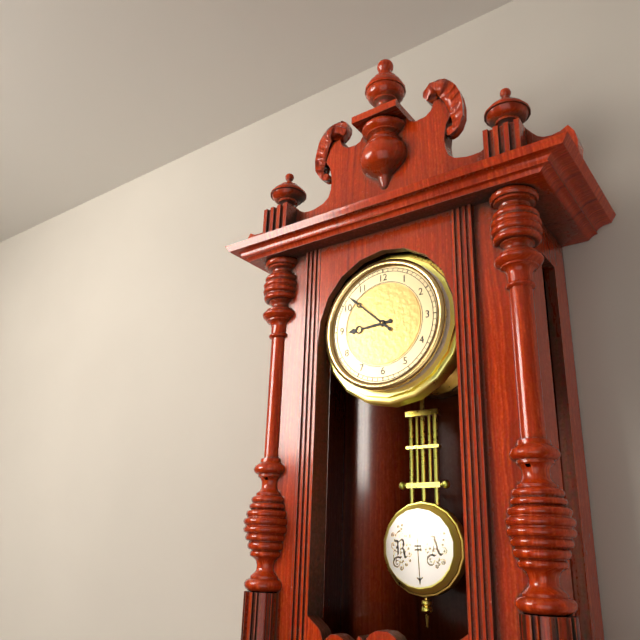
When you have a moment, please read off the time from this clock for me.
8:52
